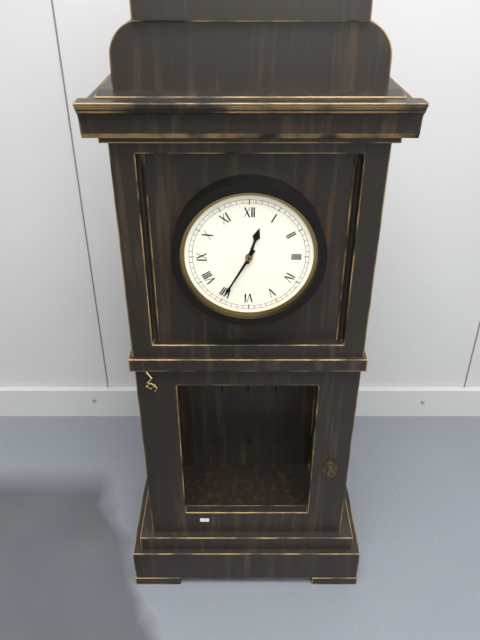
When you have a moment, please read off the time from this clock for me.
12:35
